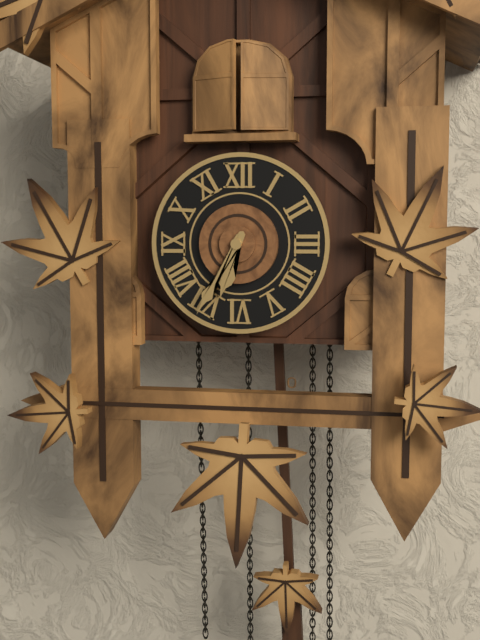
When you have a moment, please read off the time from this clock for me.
6:35
